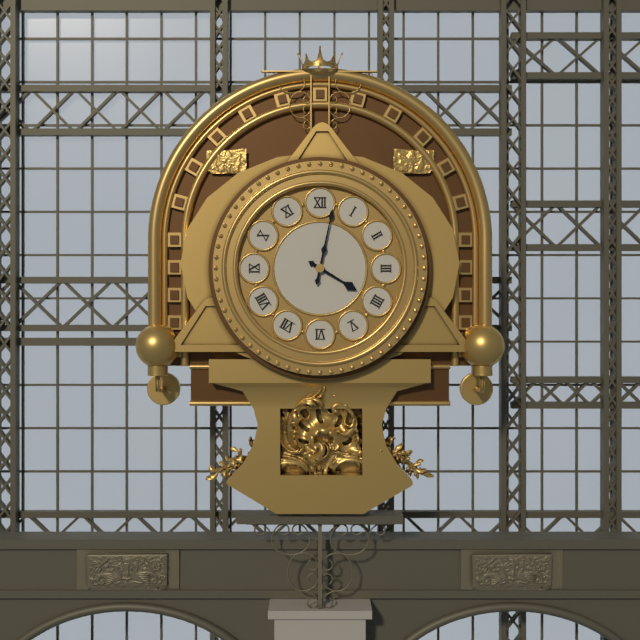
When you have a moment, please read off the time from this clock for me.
4:02
